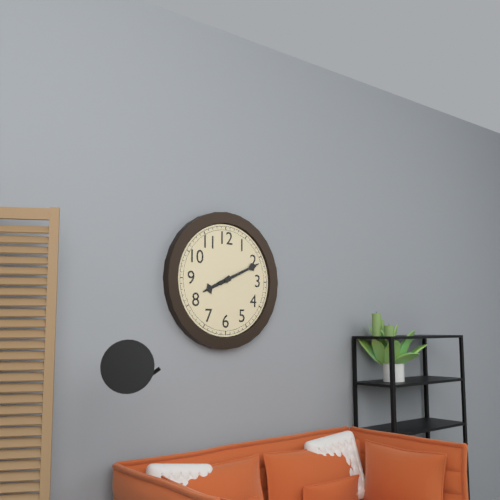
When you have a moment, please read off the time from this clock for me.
8:11
